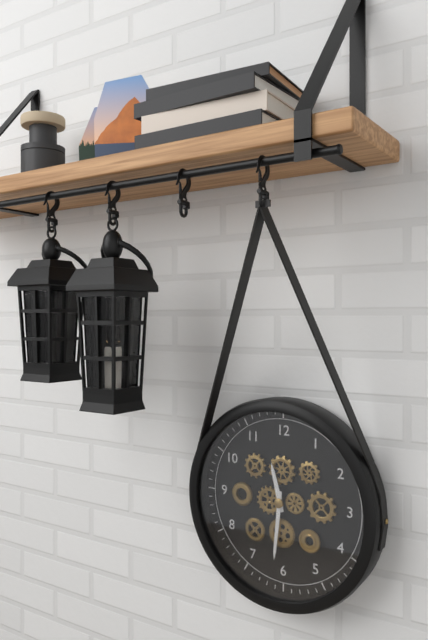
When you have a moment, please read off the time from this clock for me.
11:31
